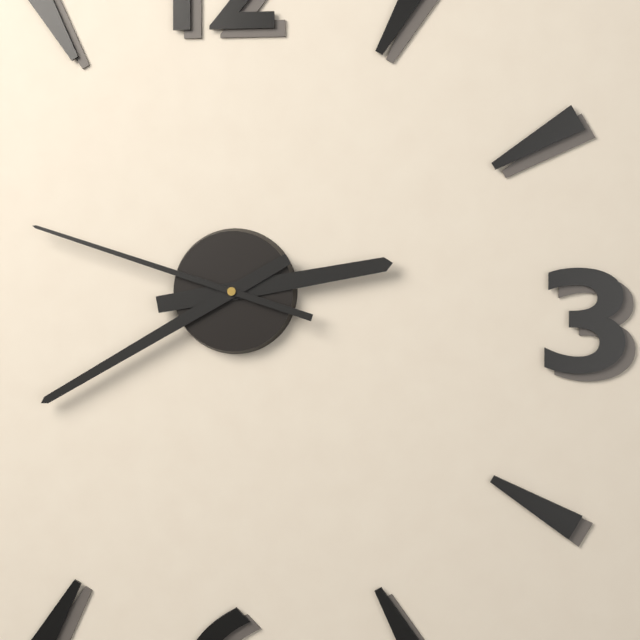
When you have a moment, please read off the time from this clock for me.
2:40:48
